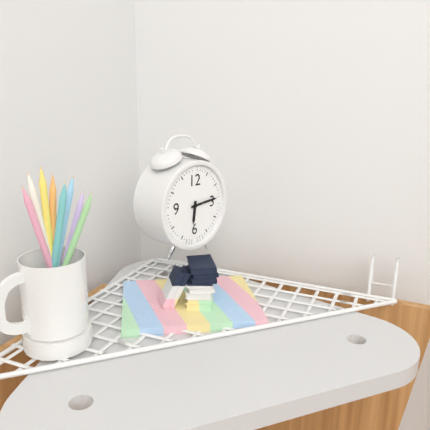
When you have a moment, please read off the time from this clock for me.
6:14
